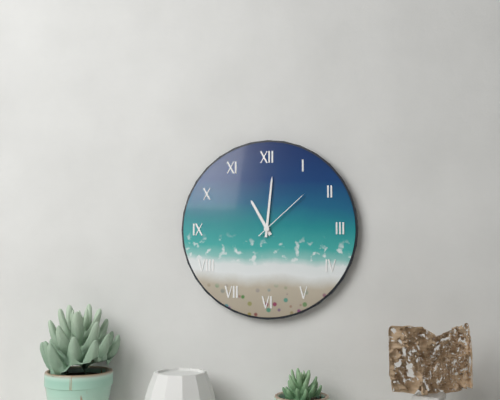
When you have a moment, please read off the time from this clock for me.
11:01:08
